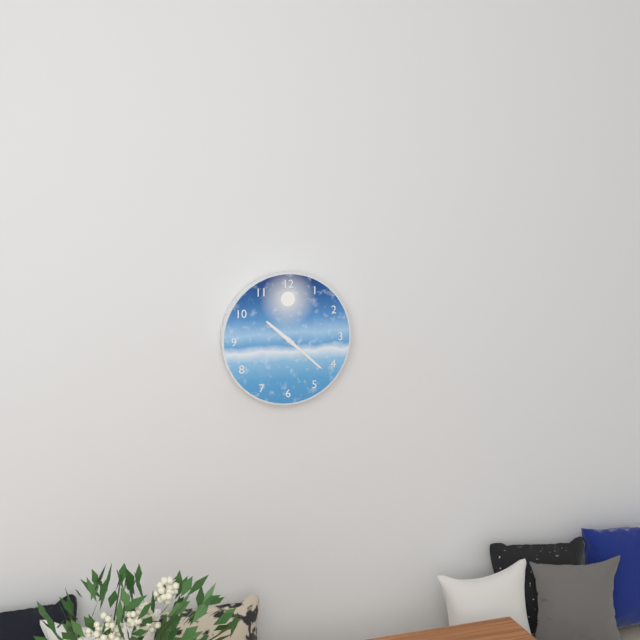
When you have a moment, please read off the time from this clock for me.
10:22
